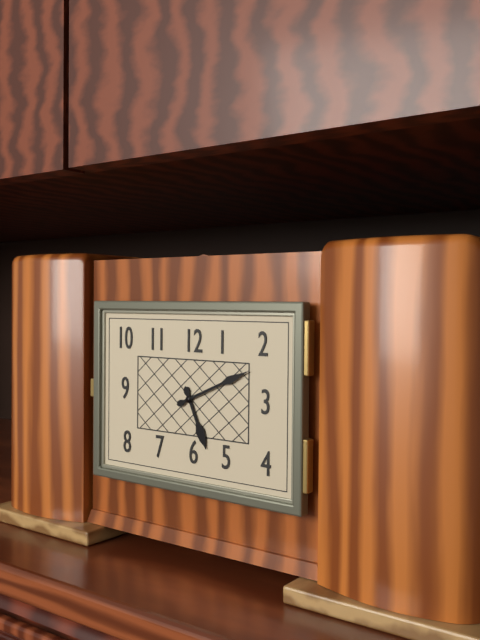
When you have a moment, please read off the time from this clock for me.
5:11
